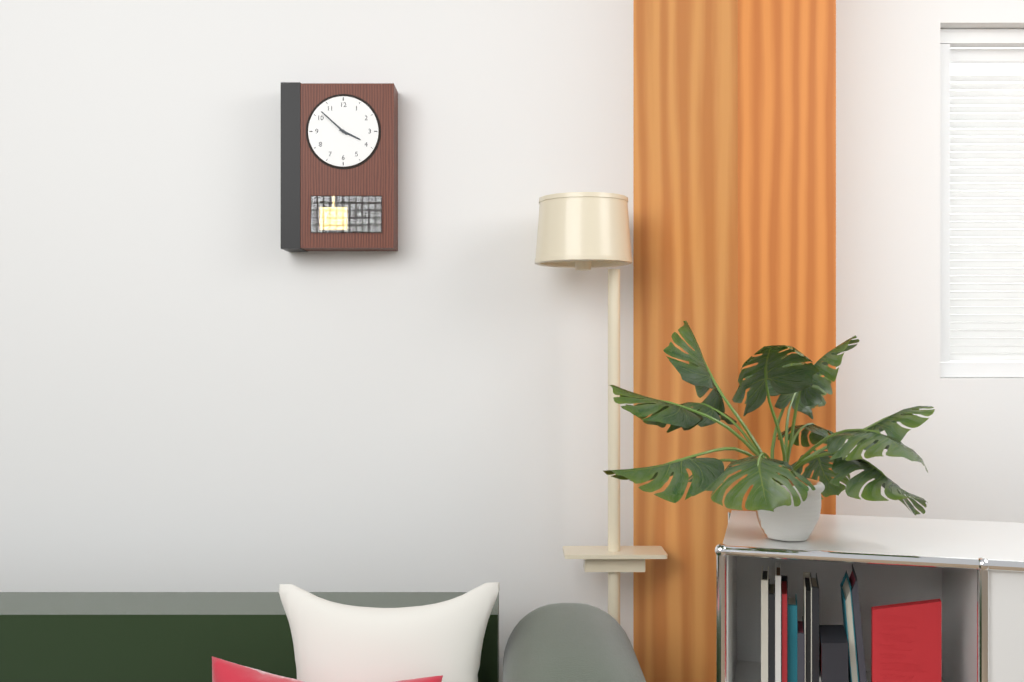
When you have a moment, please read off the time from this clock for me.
3:52
